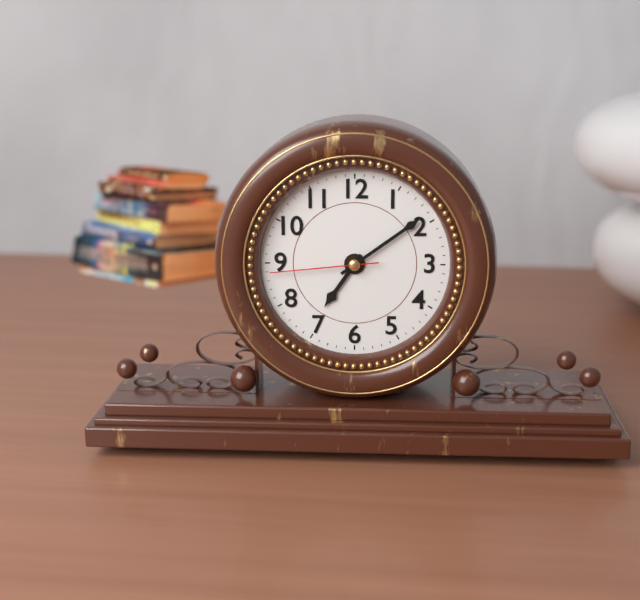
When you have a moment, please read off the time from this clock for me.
7:09:44
